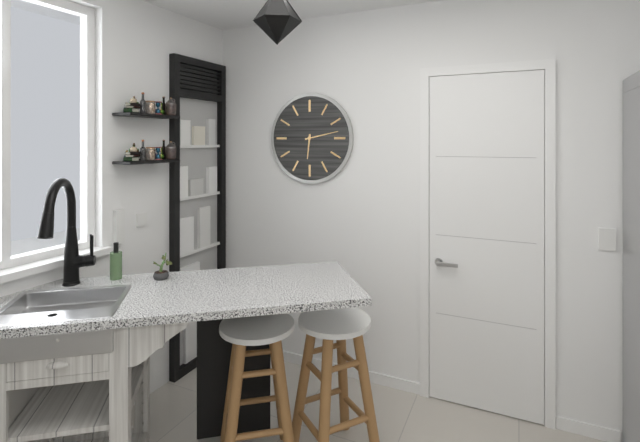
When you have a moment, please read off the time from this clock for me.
6:13
